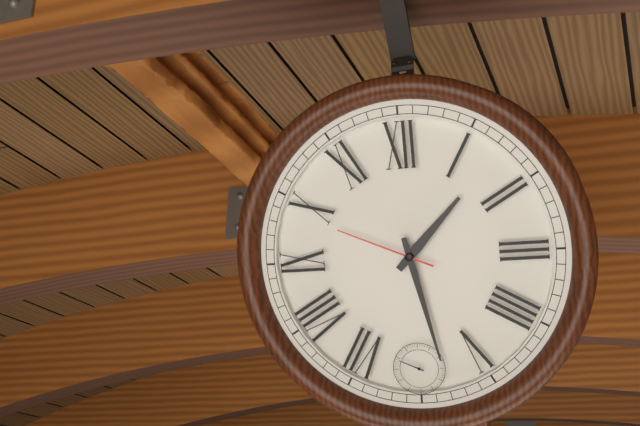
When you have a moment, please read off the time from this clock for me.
1:28:49
